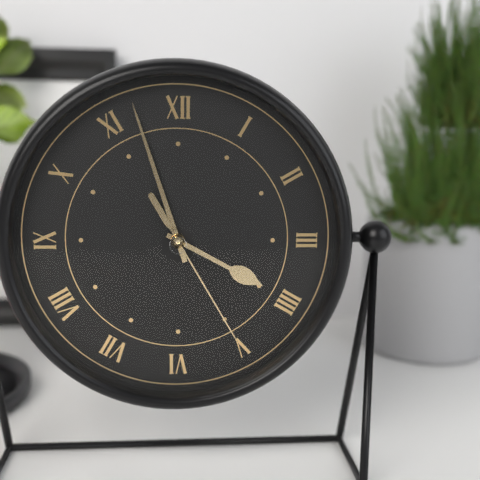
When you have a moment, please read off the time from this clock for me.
3:57:25
